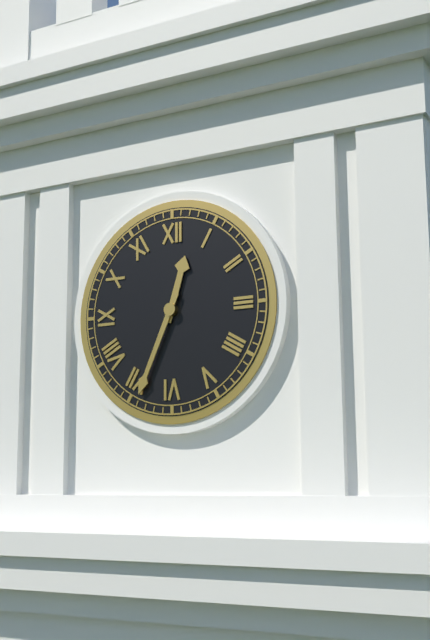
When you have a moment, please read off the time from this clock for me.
12:34
